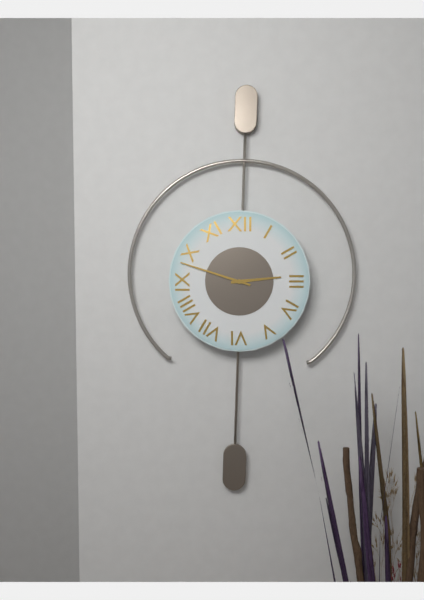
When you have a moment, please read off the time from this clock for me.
2:48
